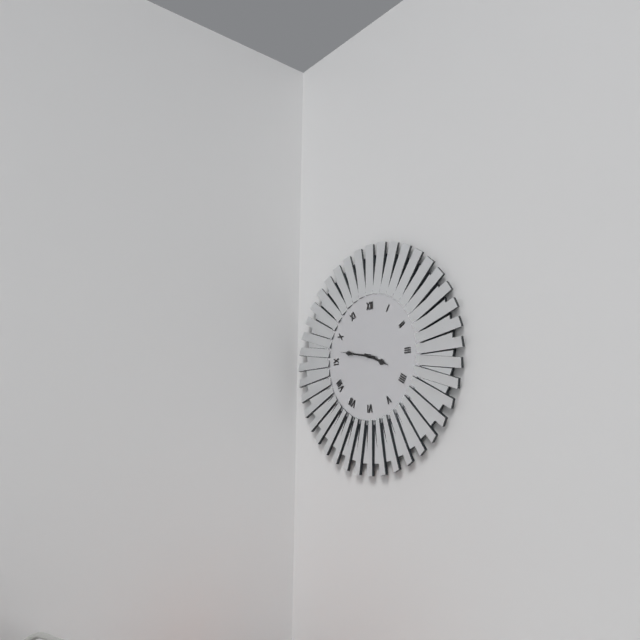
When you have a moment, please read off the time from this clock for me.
3:47
